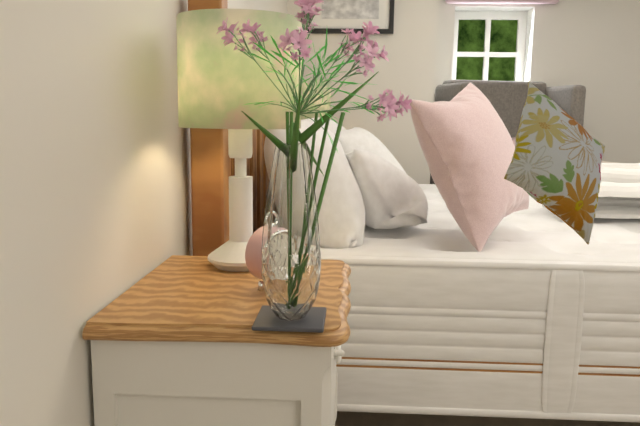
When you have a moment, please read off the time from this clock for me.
10:37
